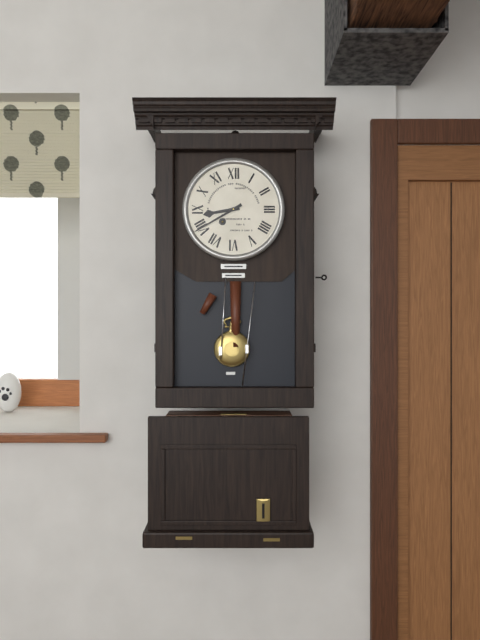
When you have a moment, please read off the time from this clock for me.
8:40
